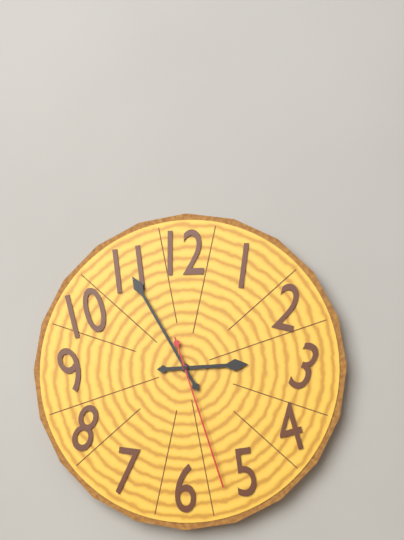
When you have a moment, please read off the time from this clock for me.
2:55:27
